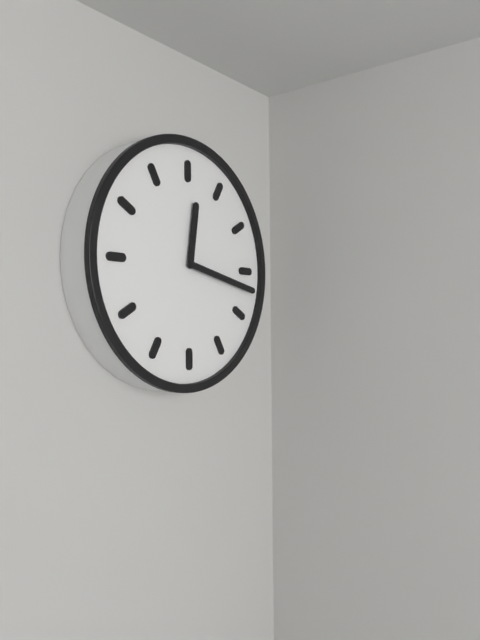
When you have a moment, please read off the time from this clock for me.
12:17
